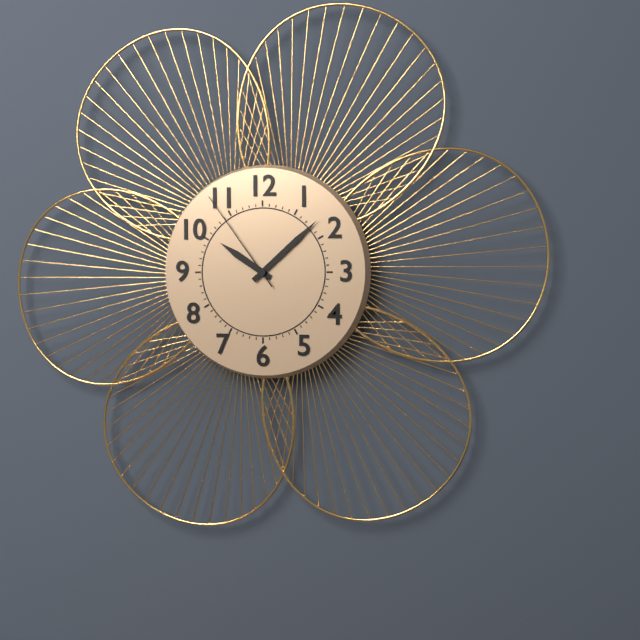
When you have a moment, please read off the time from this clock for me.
10:08:54
